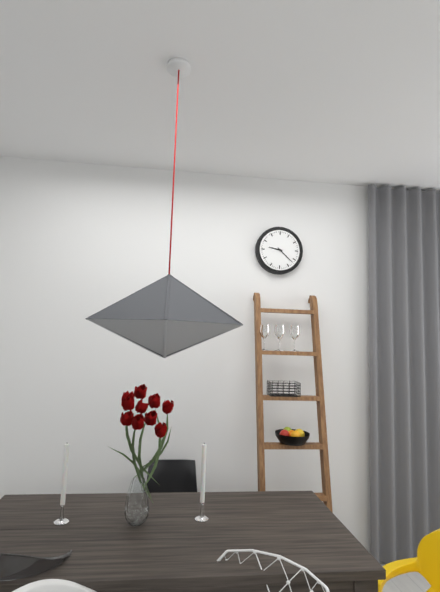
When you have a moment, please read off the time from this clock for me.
9:22
